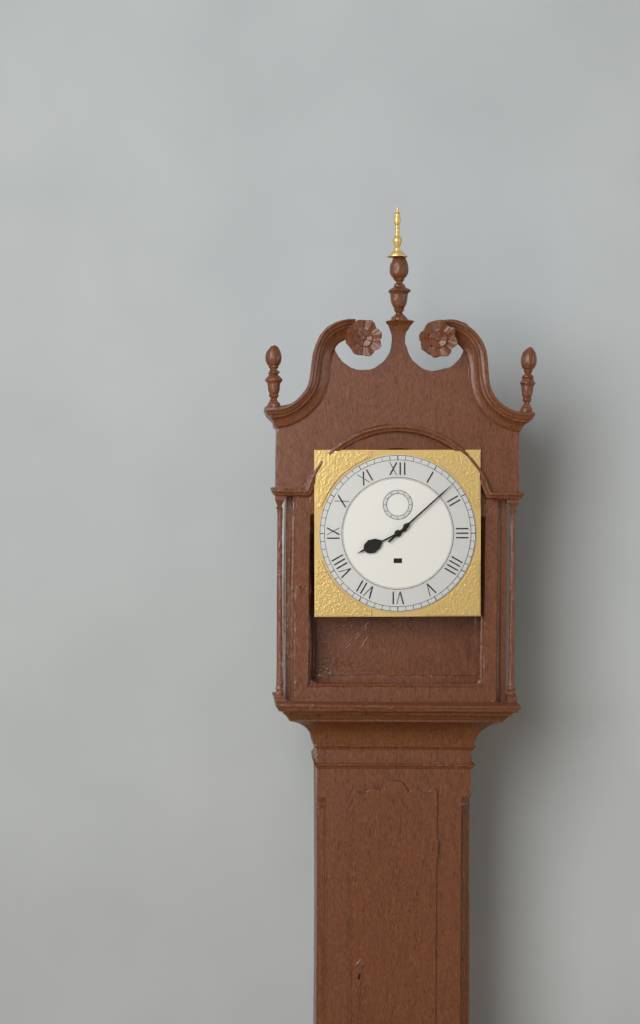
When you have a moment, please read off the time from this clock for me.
8:08
